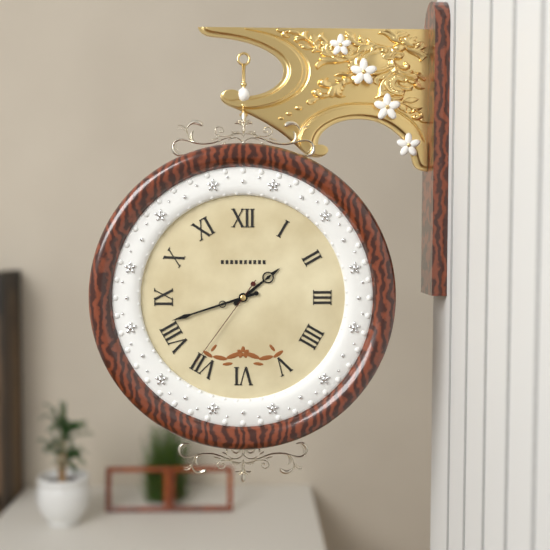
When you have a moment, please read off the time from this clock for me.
1:42:36
